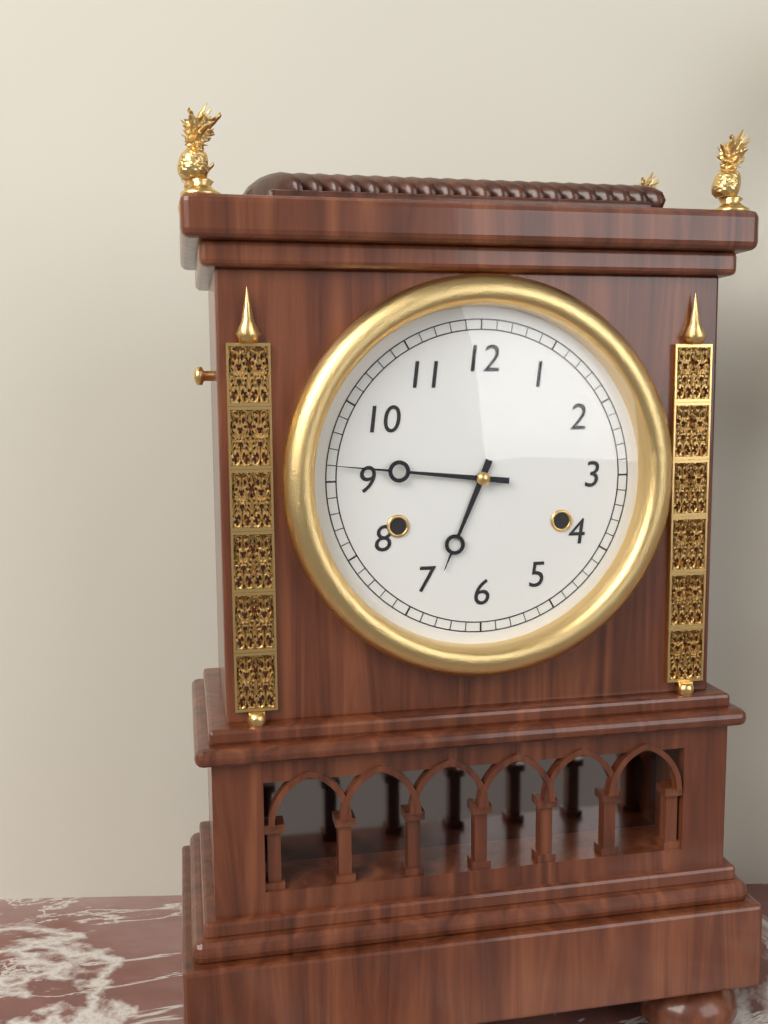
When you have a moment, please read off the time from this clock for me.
6:46
